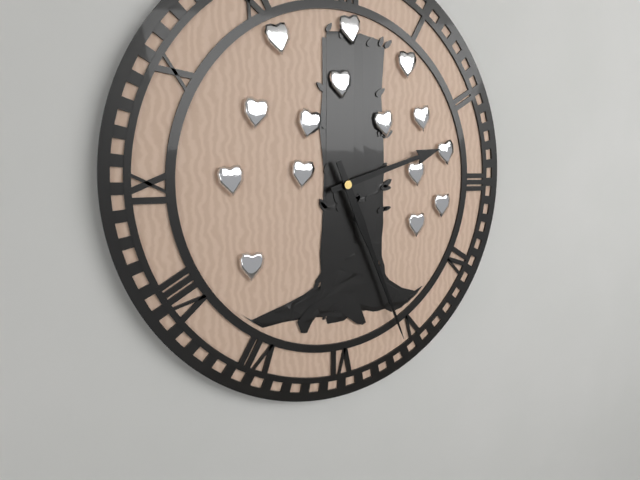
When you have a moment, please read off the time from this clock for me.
2:26
